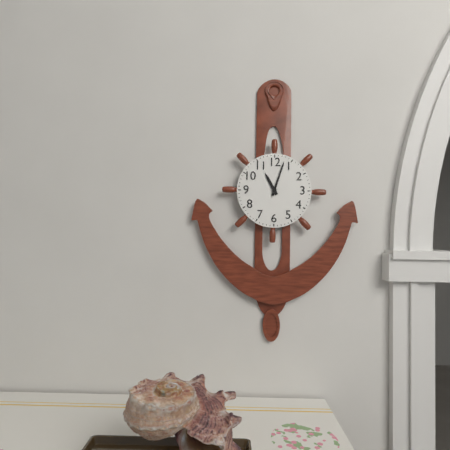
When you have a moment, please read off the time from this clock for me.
11:03
